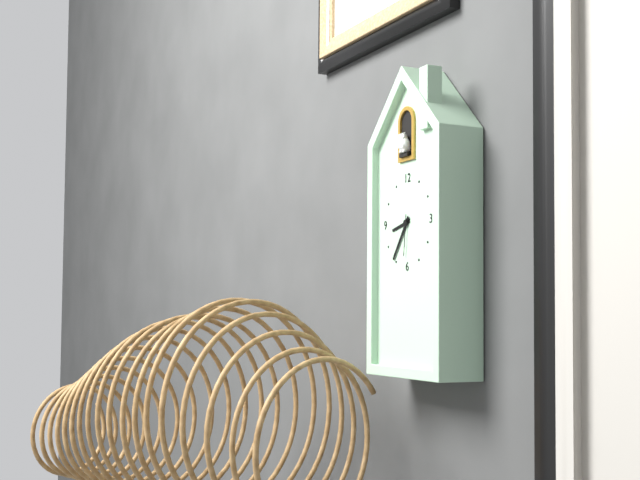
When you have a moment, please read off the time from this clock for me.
8:36
